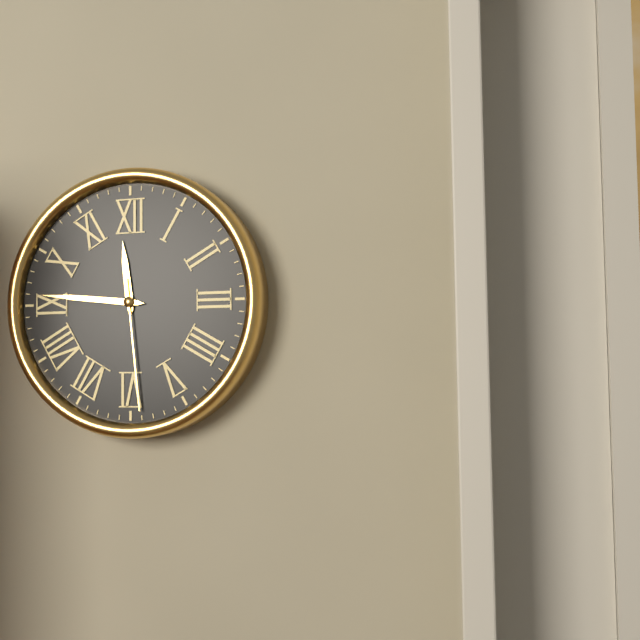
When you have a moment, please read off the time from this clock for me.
11:46:29
